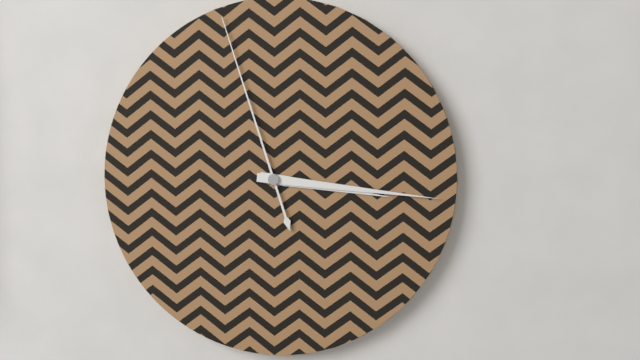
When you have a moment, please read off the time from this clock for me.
3:16:57
